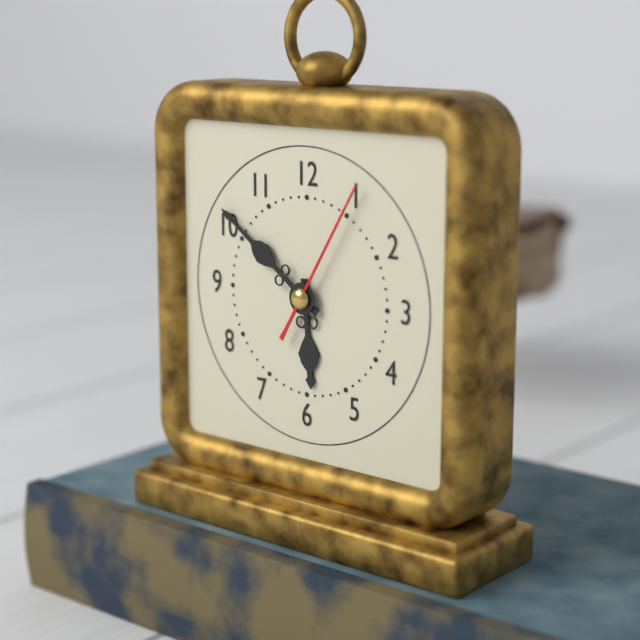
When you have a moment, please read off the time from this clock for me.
5:51:05
